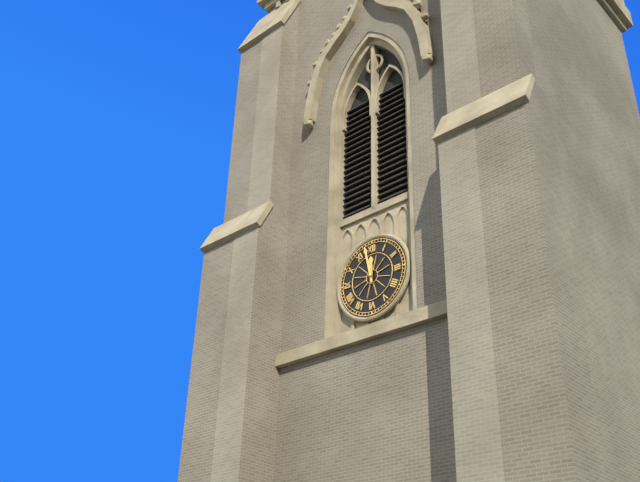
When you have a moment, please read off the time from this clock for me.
11:58
